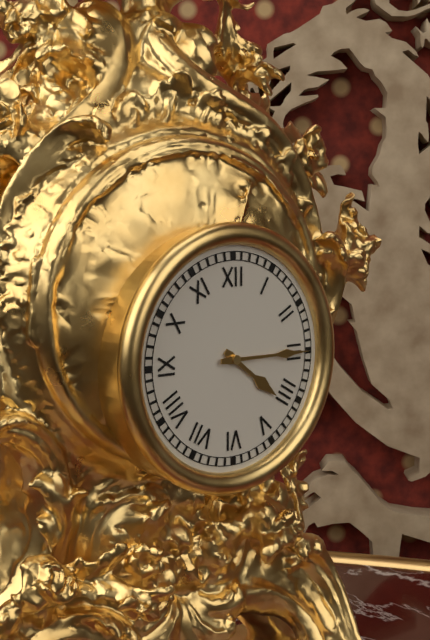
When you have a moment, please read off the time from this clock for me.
4:15
